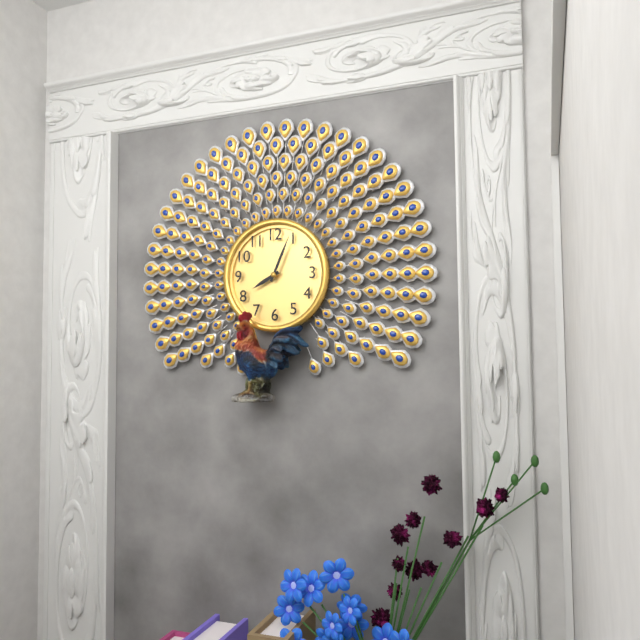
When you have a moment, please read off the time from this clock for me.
8:04
